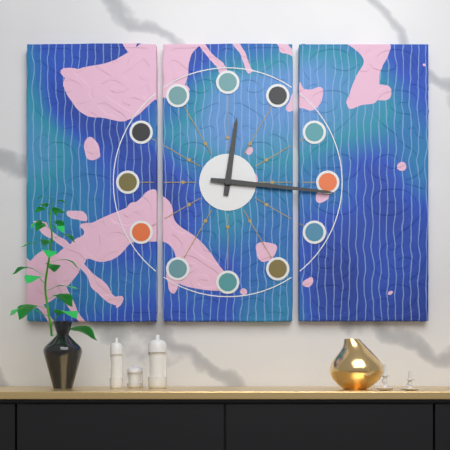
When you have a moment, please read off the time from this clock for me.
12:16
